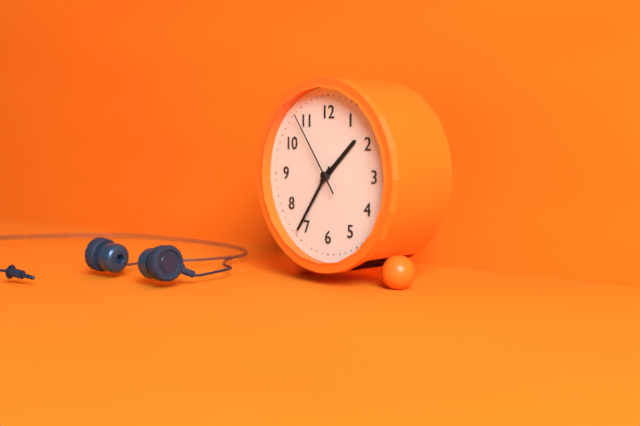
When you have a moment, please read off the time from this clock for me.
1:36:54
